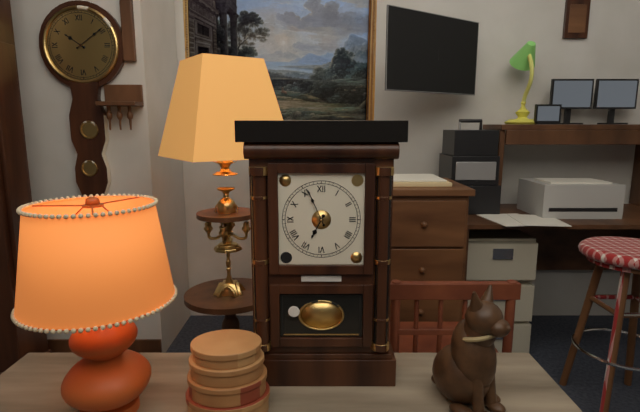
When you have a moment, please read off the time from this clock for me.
6:56
